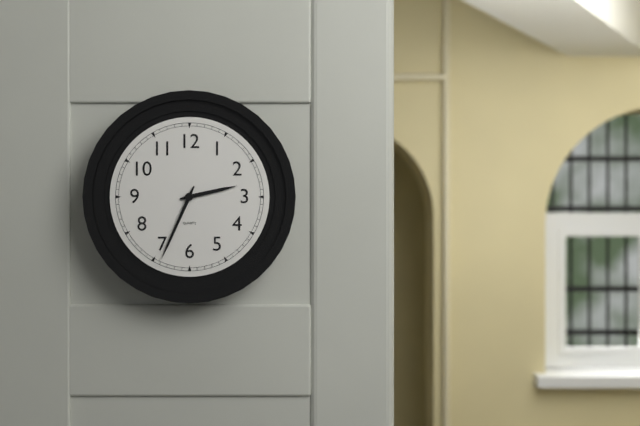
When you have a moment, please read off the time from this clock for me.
2:34
